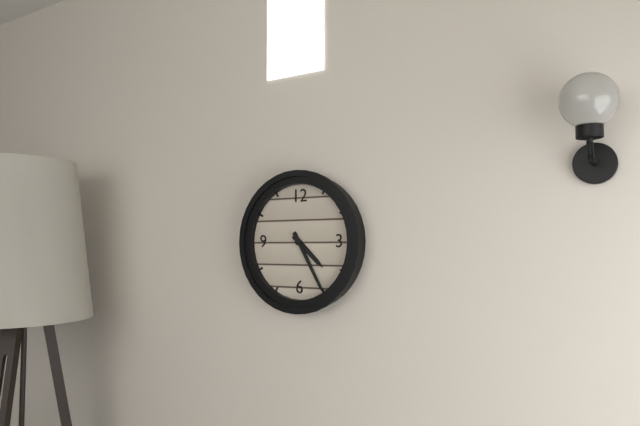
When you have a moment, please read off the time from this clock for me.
4:25
